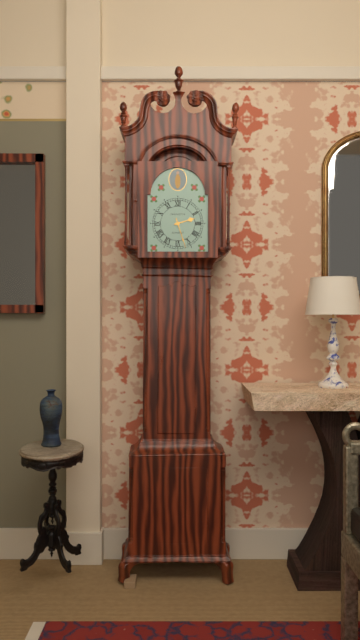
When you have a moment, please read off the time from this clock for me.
2:27
